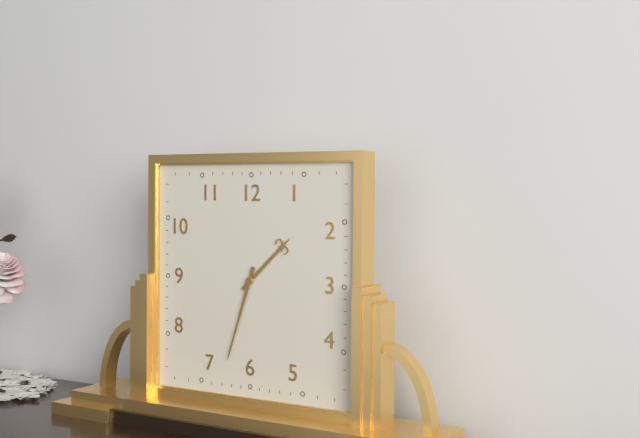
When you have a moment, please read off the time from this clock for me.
1:33
